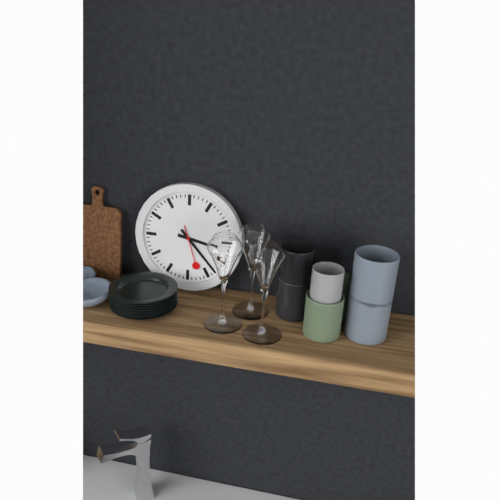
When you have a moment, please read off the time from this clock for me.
3:23
